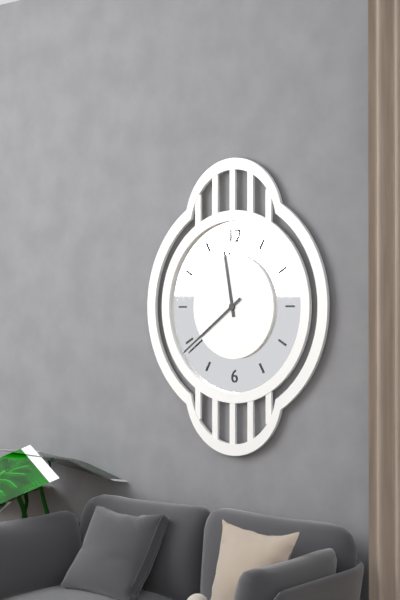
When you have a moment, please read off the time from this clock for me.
11:39
